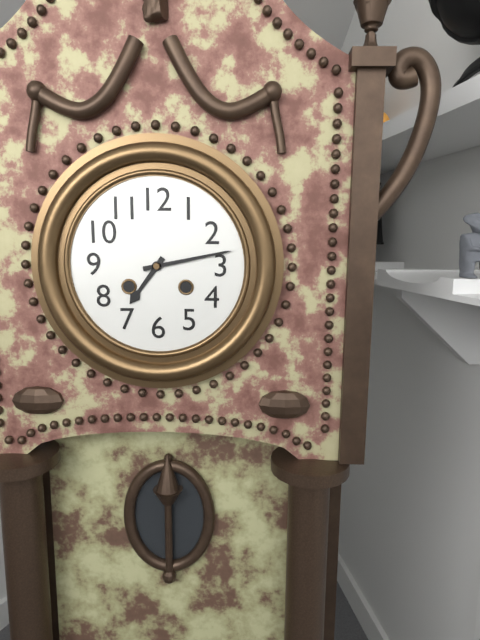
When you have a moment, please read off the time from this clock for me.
7:13
